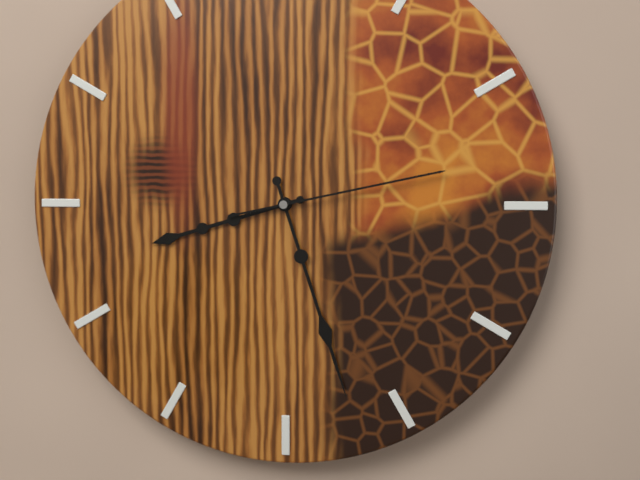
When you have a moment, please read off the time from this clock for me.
8:27:13
